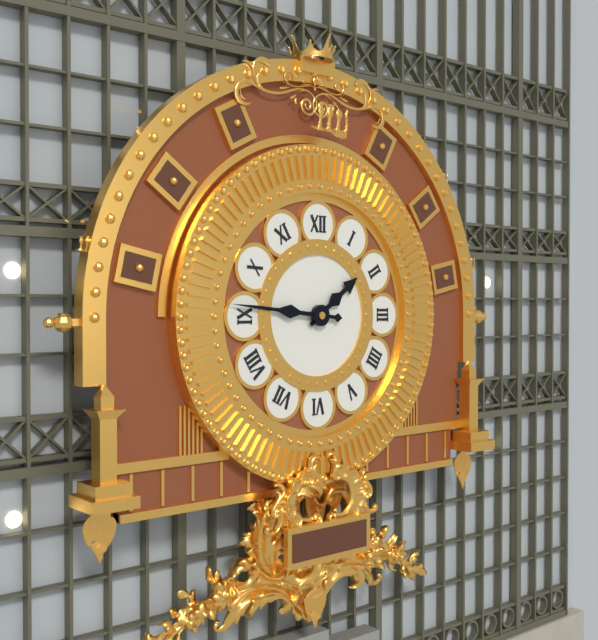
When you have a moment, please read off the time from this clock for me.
1:46
